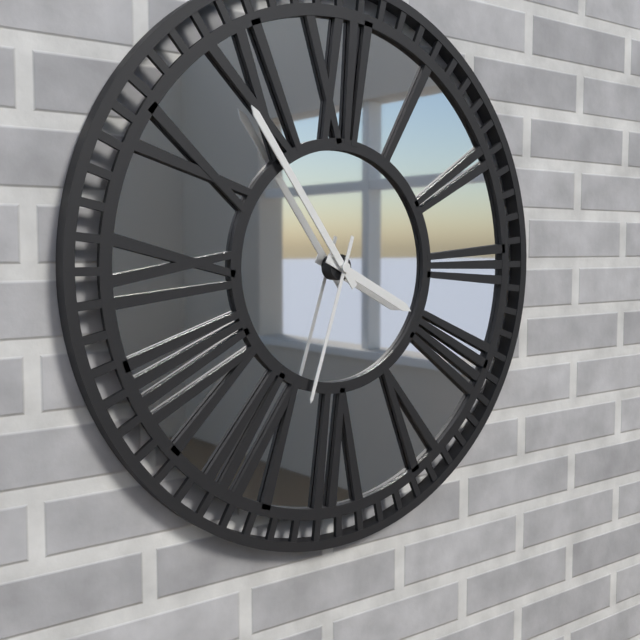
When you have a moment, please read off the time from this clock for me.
3:54:33
